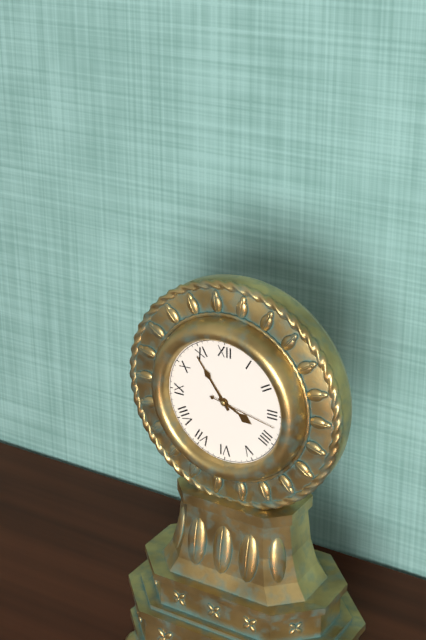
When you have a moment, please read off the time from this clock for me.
3:54:17
